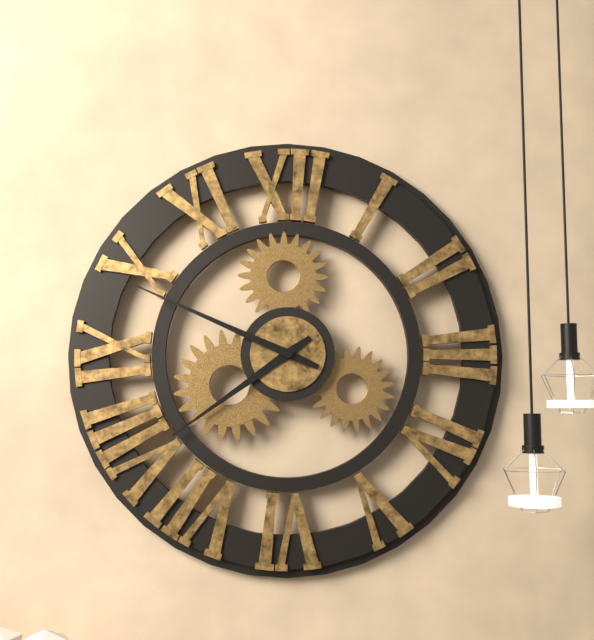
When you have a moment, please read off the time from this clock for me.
7:49
